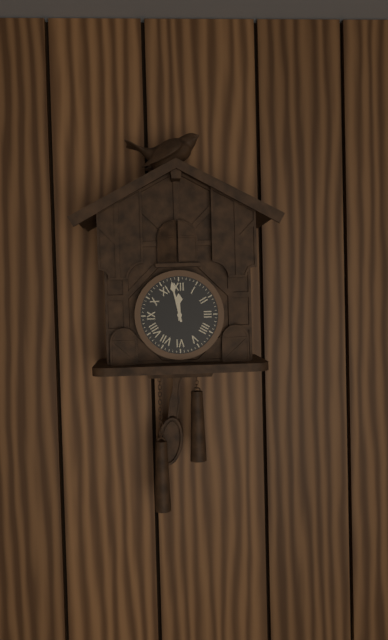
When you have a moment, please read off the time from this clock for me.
11:58
